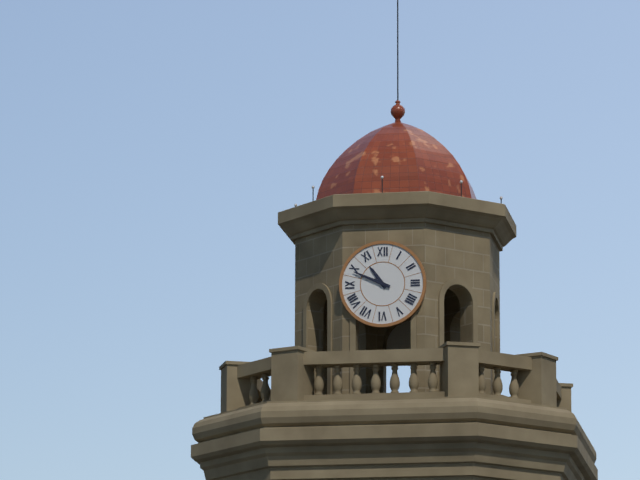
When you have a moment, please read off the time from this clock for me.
10:49
